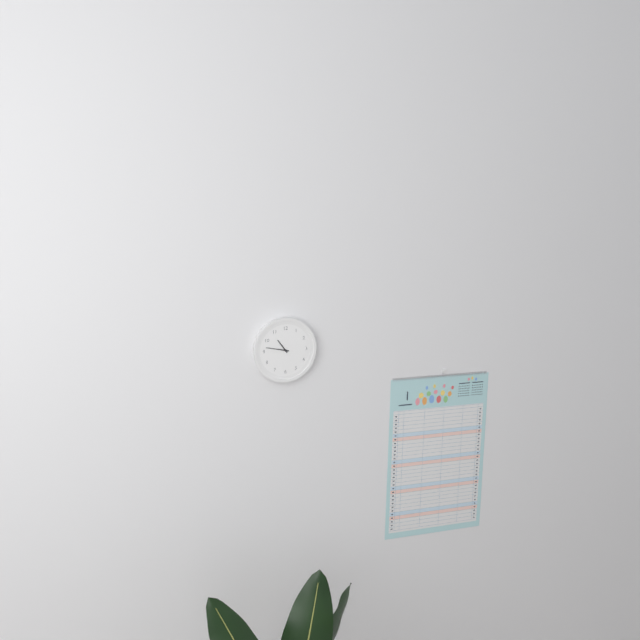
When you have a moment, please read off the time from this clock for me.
10:47
